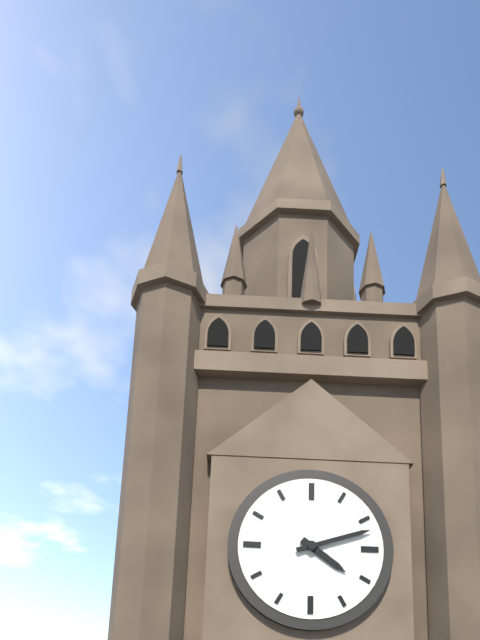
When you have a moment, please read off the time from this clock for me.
4:12
